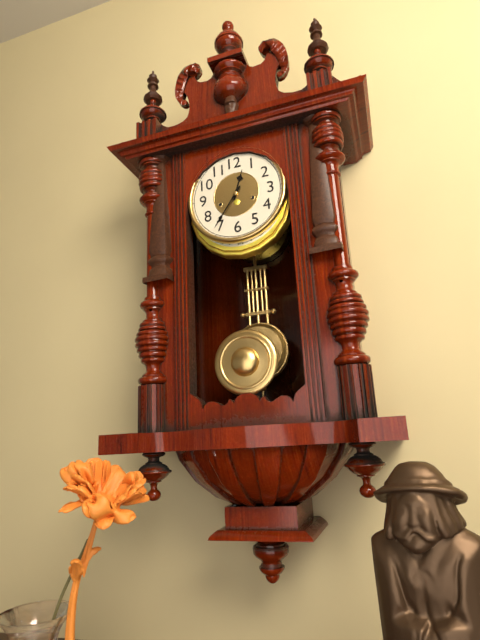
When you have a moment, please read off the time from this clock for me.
12:36
